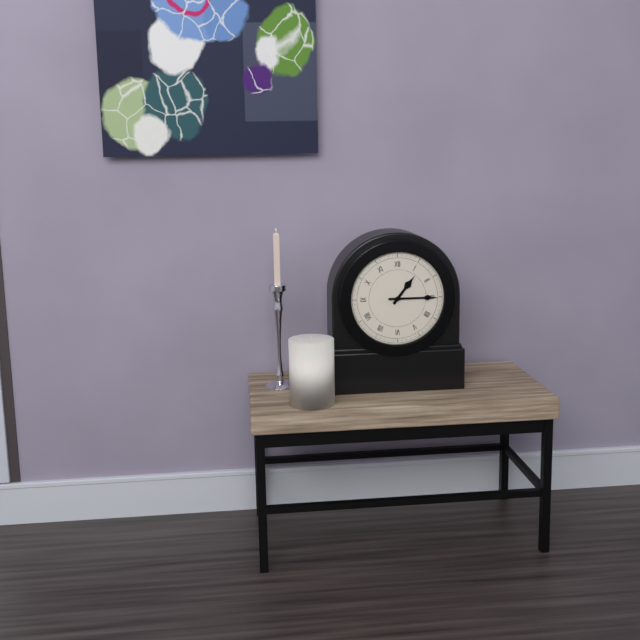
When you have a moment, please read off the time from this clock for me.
1:15
